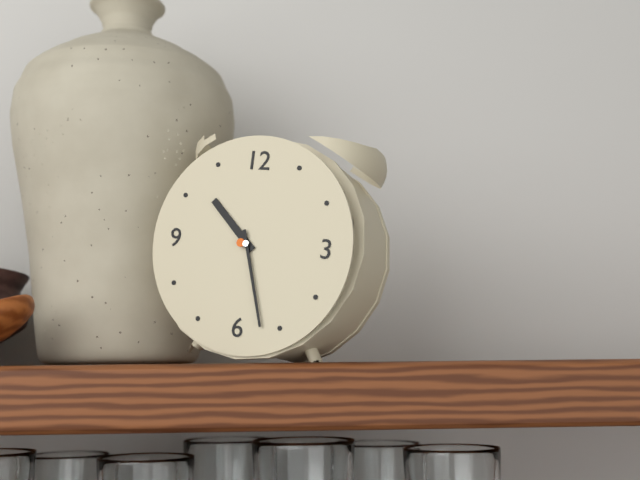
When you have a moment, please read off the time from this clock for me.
10:27
